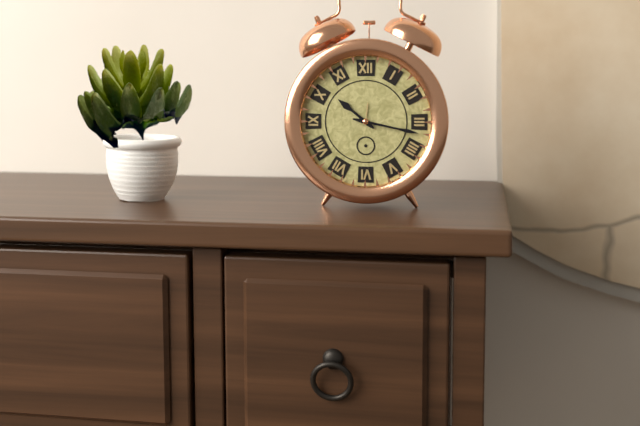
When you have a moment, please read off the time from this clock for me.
10:17
